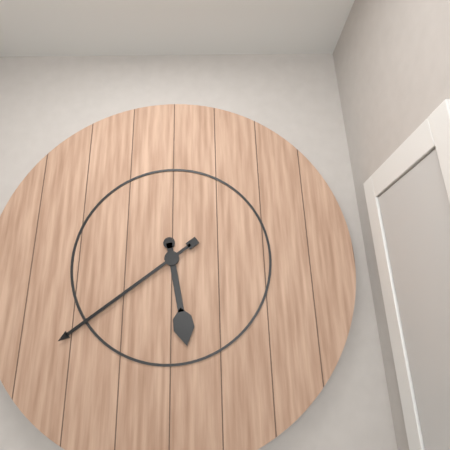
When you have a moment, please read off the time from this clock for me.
5:39
